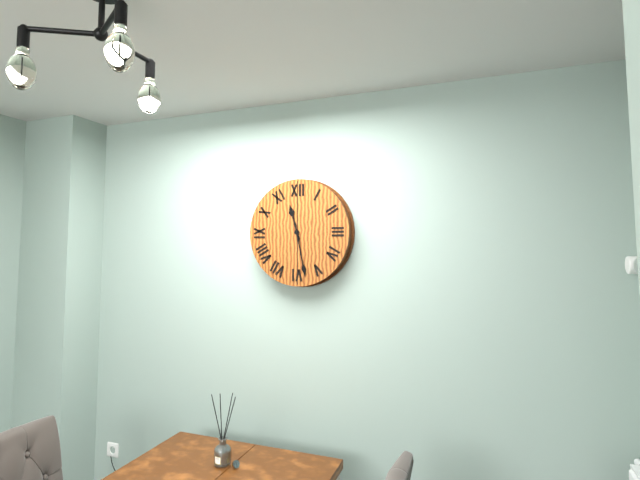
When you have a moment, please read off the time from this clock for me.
11:28
